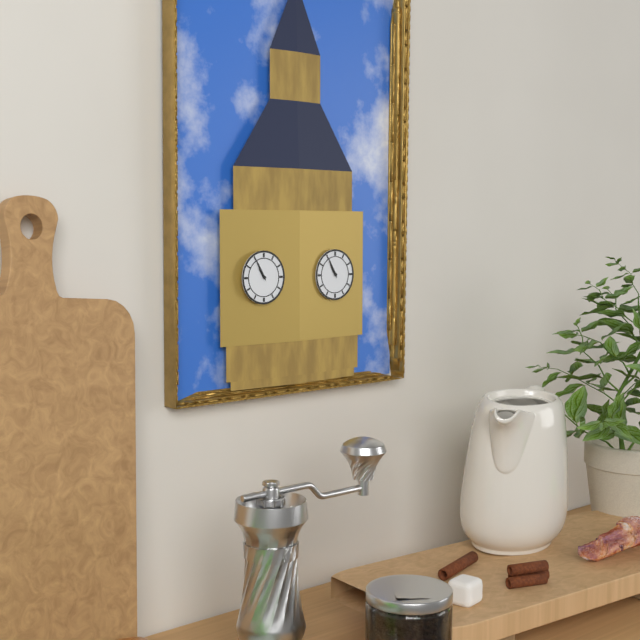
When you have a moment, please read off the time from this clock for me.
10:55
